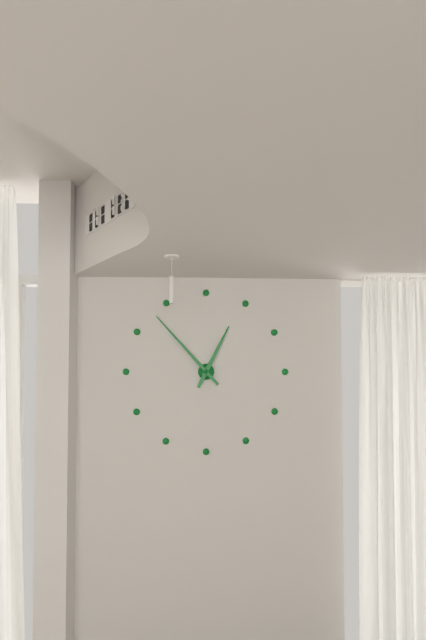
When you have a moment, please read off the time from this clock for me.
12:53
